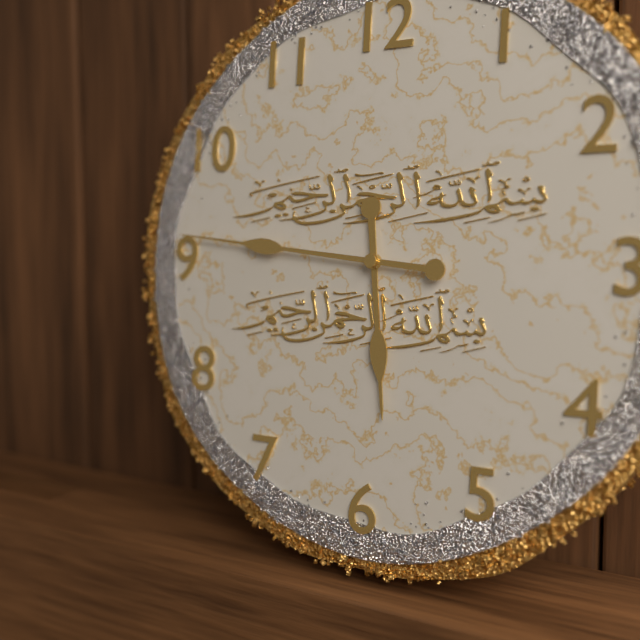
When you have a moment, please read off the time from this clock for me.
5:46
